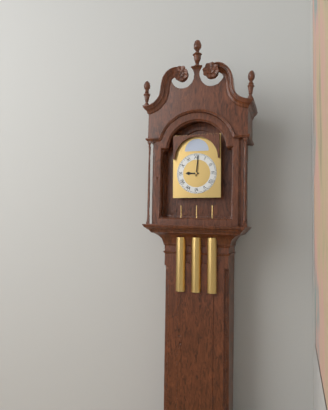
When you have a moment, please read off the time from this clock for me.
9:01
